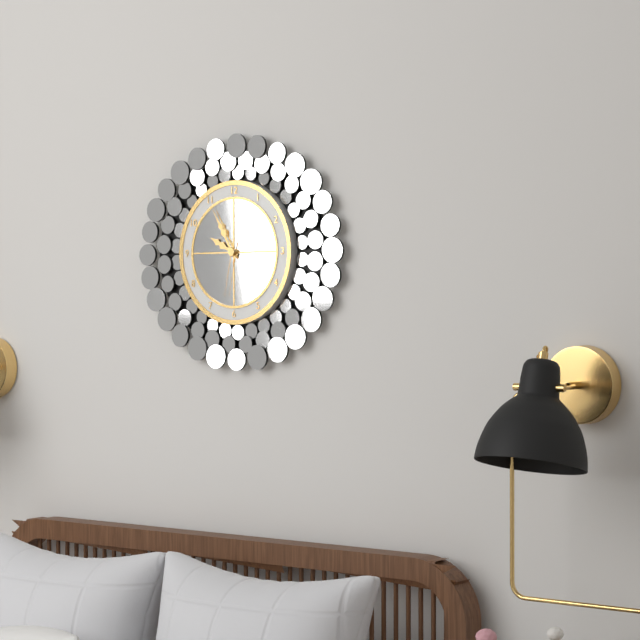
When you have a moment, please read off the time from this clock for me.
9:55:32
